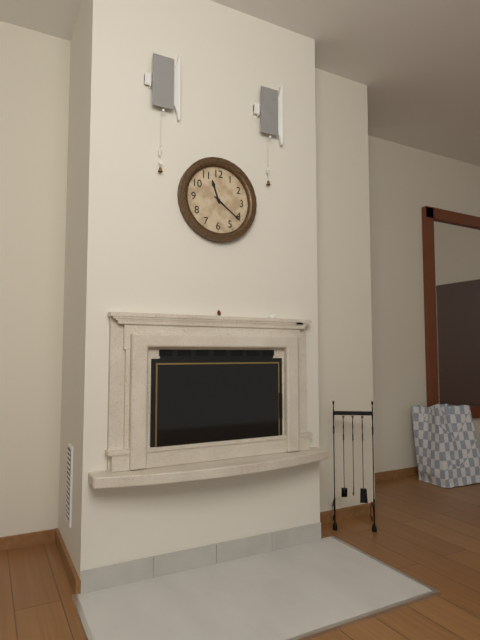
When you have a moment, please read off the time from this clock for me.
11:21
